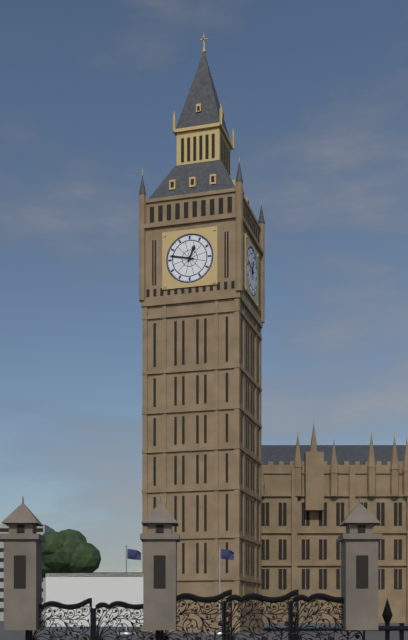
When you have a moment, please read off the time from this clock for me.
12:47
